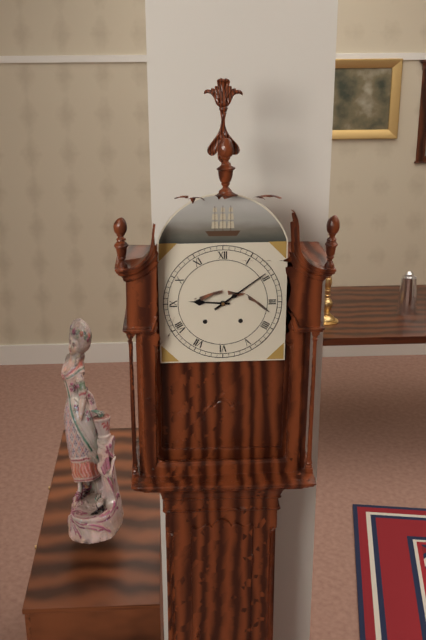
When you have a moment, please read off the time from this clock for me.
9:09
